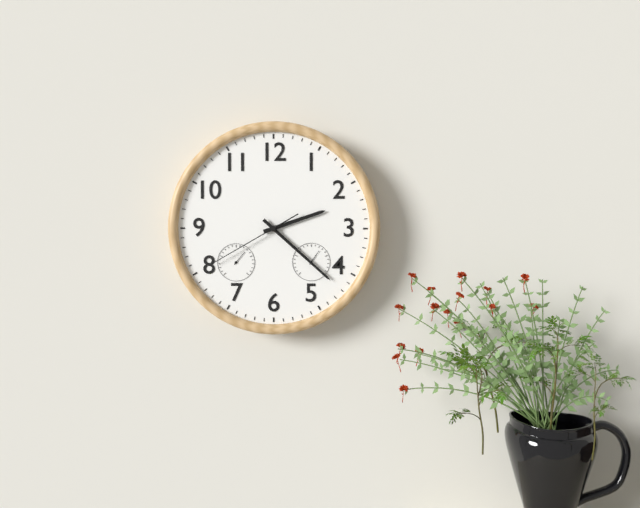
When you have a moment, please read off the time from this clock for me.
2:22:40
